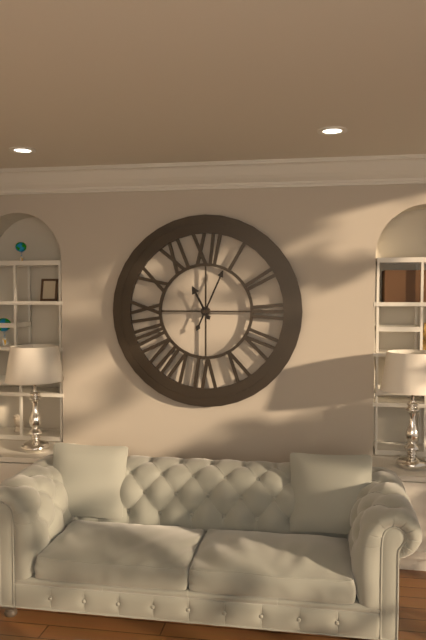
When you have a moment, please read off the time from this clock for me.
11:04
